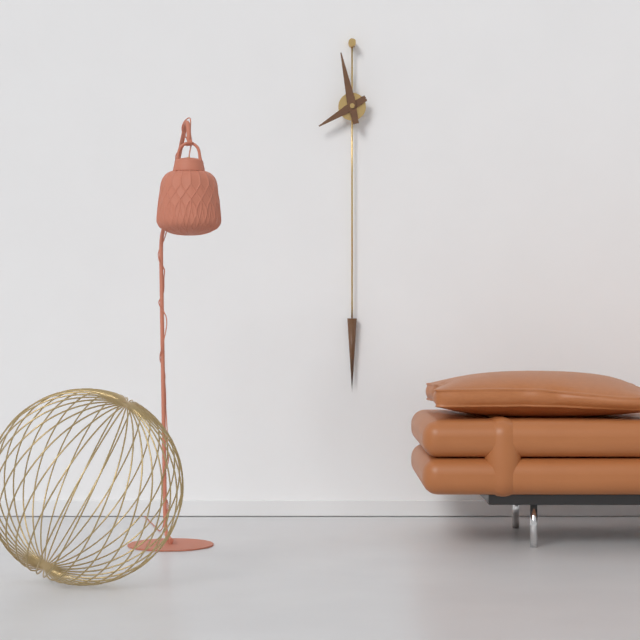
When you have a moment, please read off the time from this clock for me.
7:58
